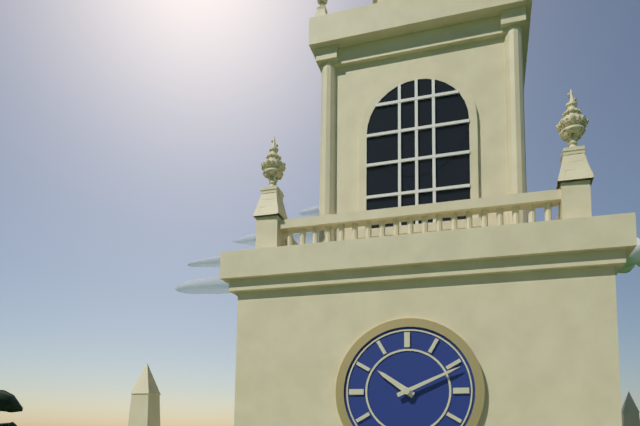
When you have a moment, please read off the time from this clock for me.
10:11
